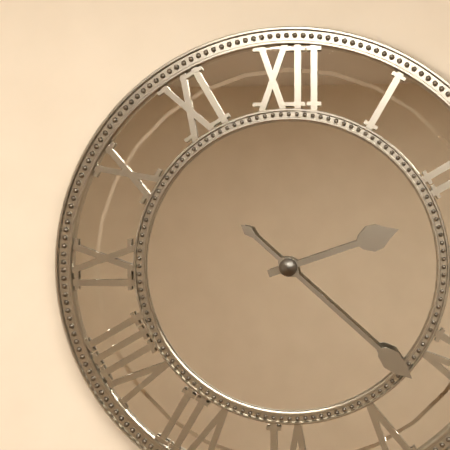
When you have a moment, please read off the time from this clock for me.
2:22
